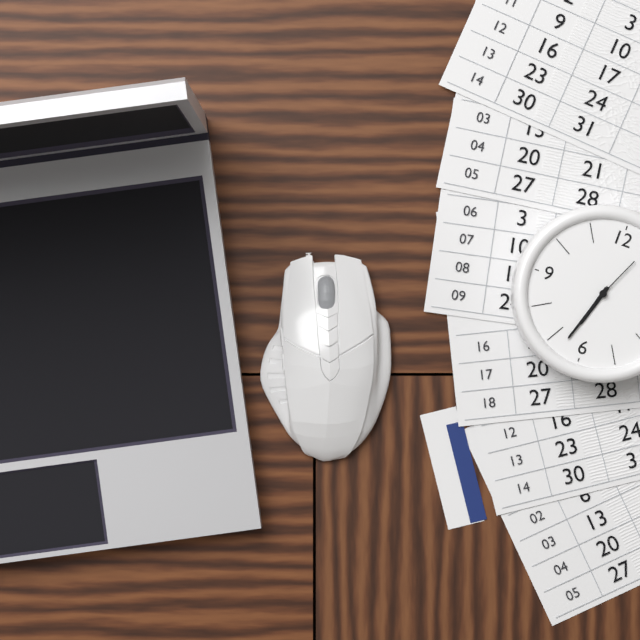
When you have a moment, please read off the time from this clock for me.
6:33:04
